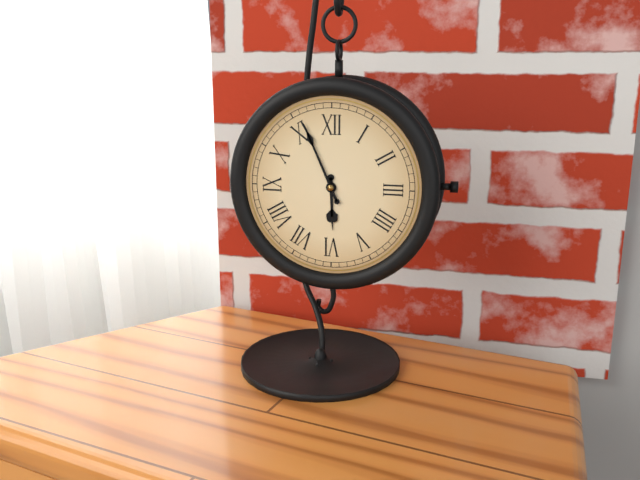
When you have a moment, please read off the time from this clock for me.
5:56
